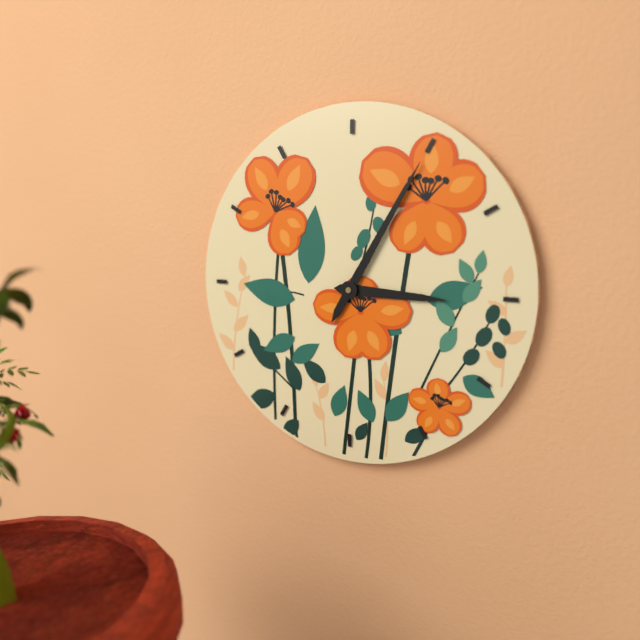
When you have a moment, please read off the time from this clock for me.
3:05
